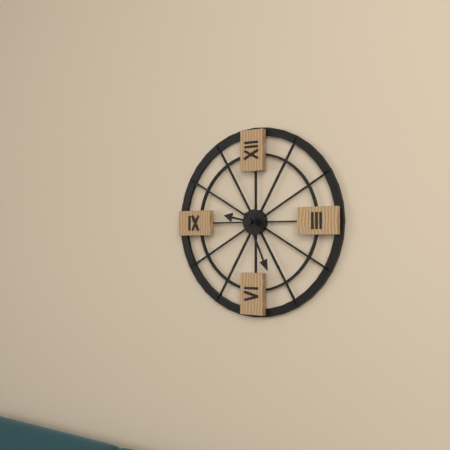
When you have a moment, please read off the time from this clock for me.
9:26
